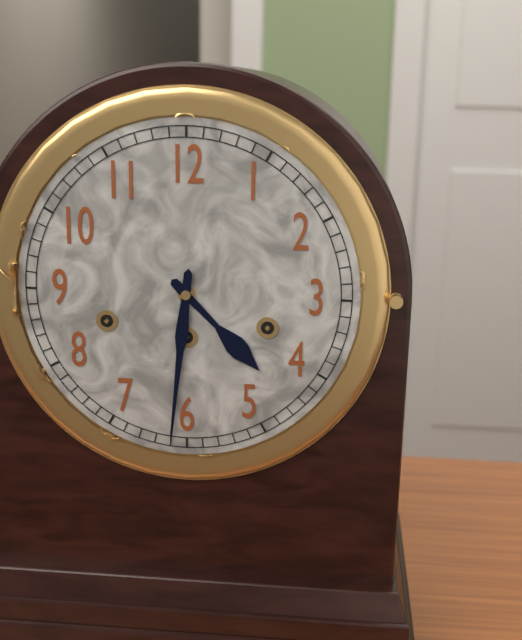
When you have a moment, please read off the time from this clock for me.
4:31
